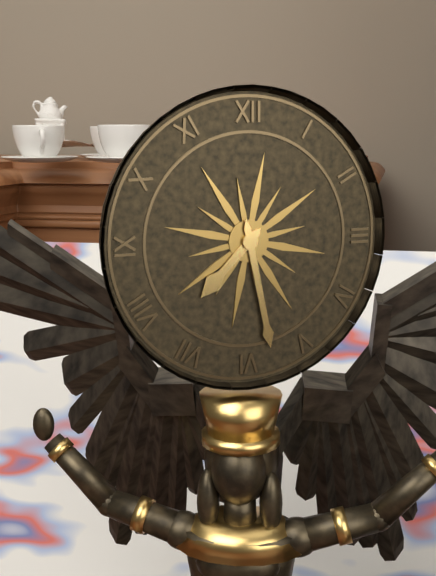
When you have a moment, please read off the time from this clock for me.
7:28
